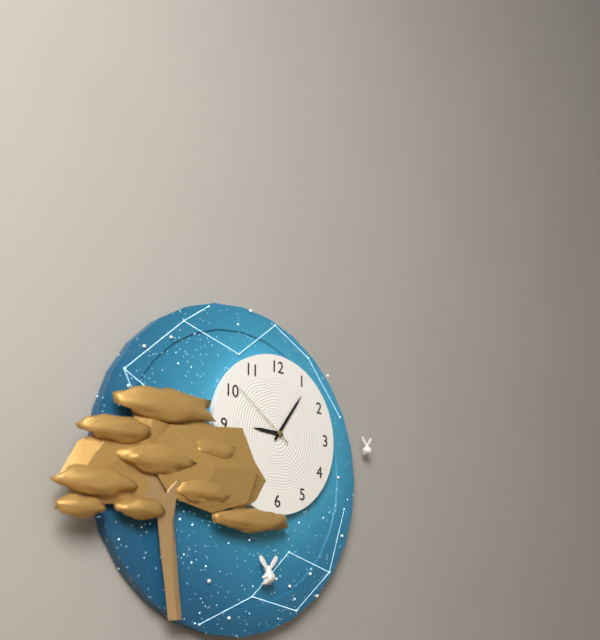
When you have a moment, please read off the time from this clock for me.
9:06:51
